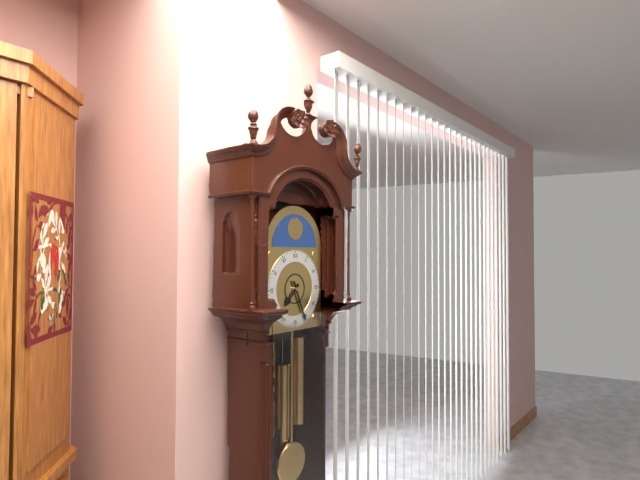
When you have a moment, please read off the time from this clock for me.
7:26
